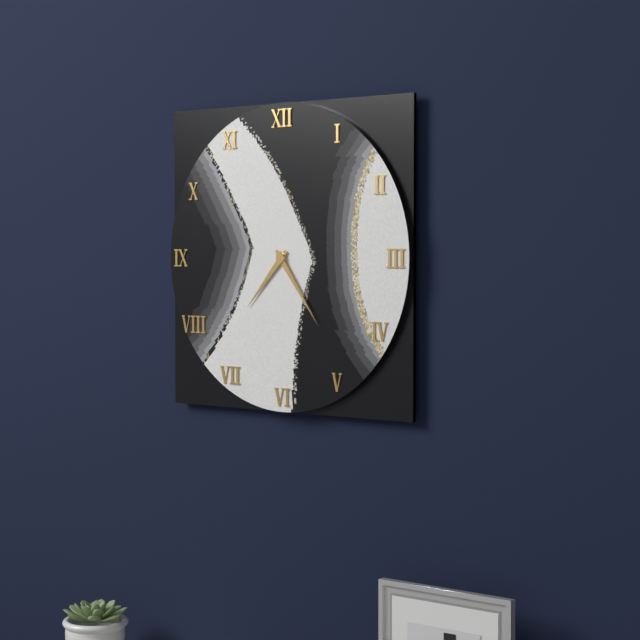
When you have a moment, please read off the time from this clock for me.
7:24
